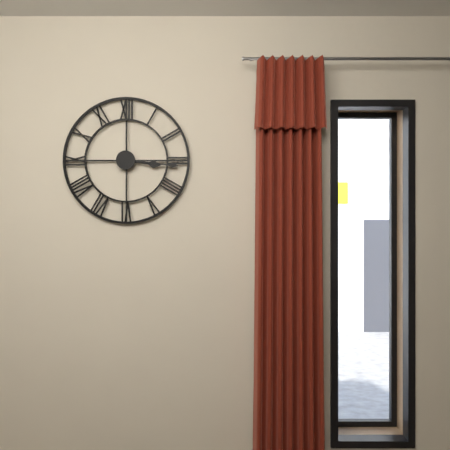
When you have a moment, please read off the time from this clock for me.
3:16
